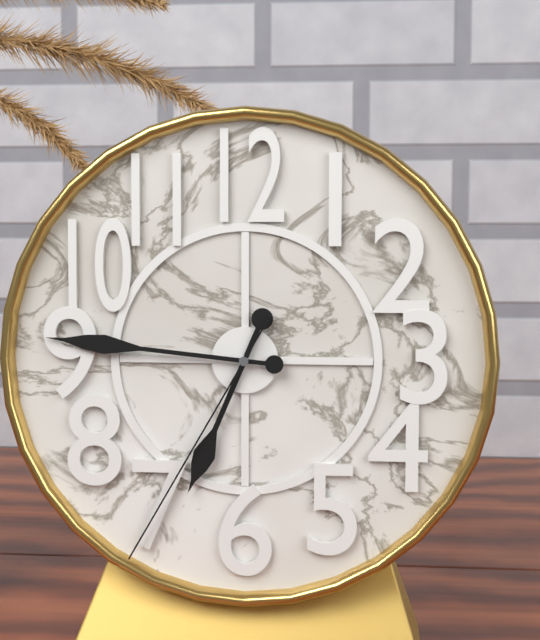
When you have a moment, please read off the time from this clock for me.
6:46:35
